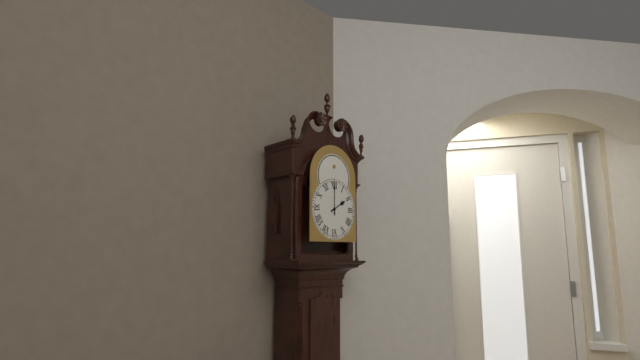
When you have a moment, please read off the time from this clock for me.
2:00
